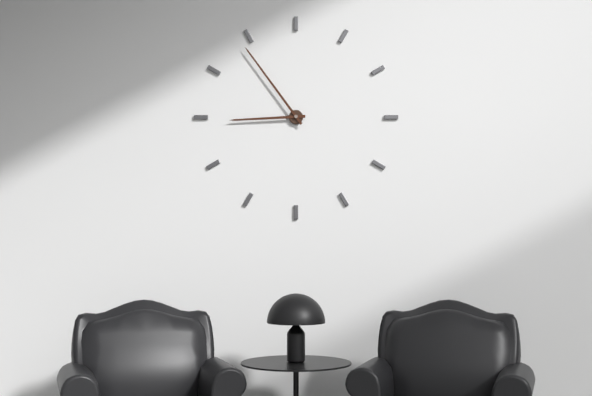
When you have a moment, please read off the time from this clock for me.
8:54
